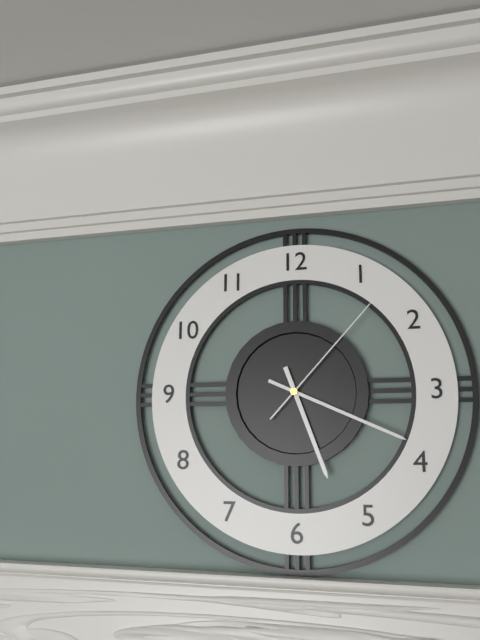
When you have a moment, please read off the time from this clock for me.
5:19:07
